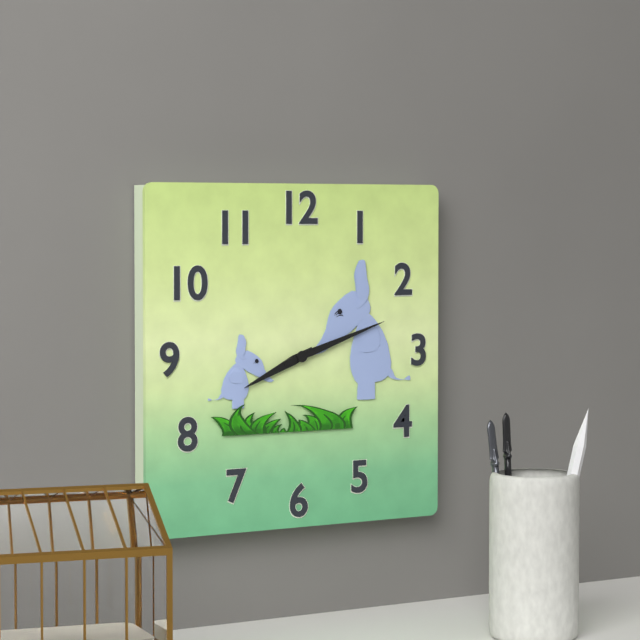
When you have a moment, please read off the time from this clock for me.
8:12
